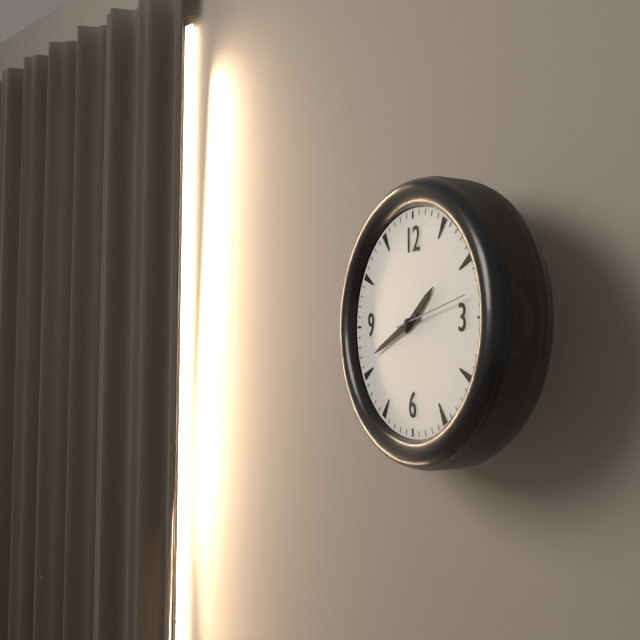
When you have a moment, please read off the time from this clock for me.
1:41:13
